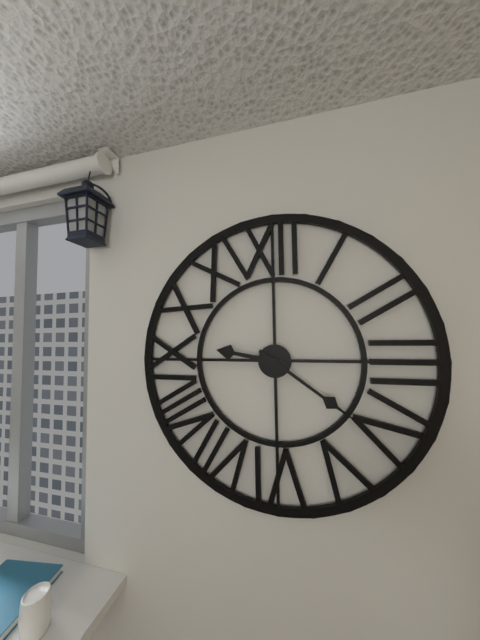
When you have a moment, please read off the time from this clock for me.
9:21
